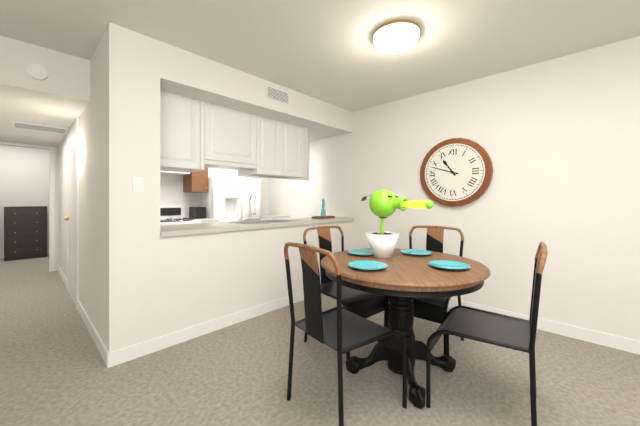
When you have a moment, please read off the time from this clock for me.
10:48
